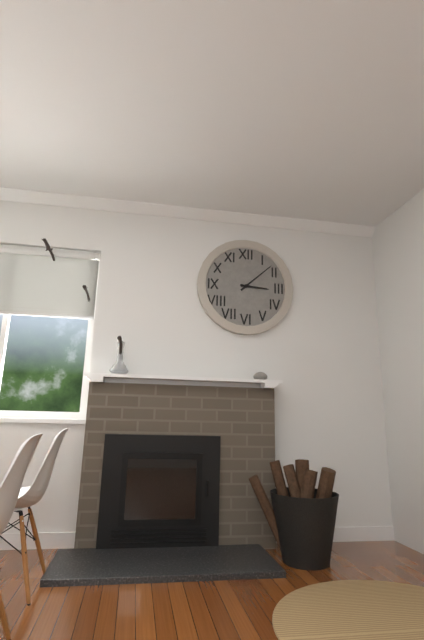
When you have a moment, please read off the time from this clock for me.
3:08
